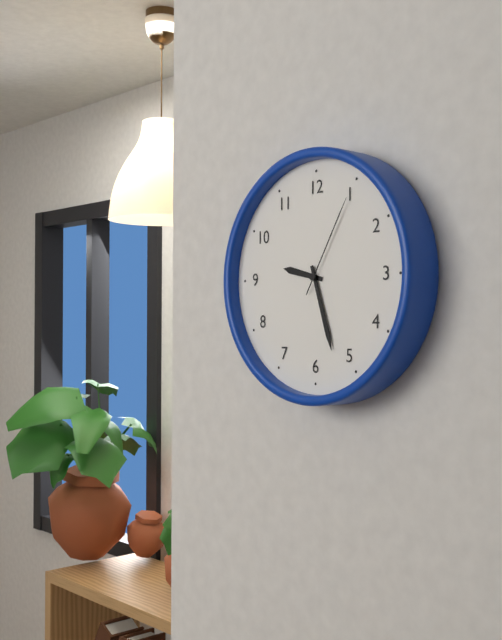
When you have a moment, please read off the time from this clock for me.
9:27:05
